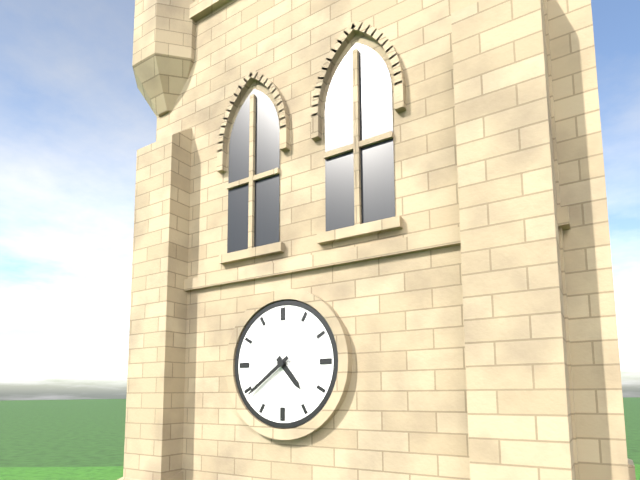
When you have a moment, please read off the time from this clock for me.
4:39
